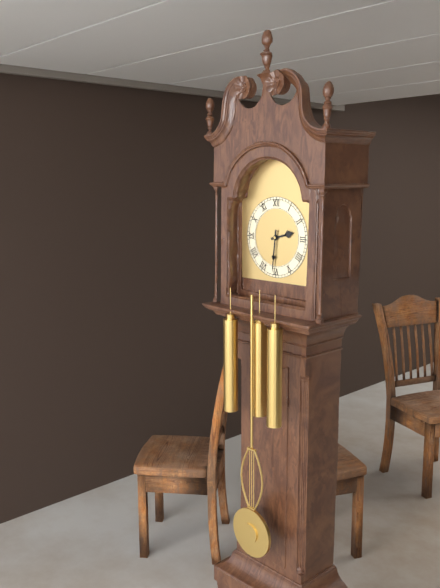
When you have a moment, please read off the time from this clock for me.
2:31
